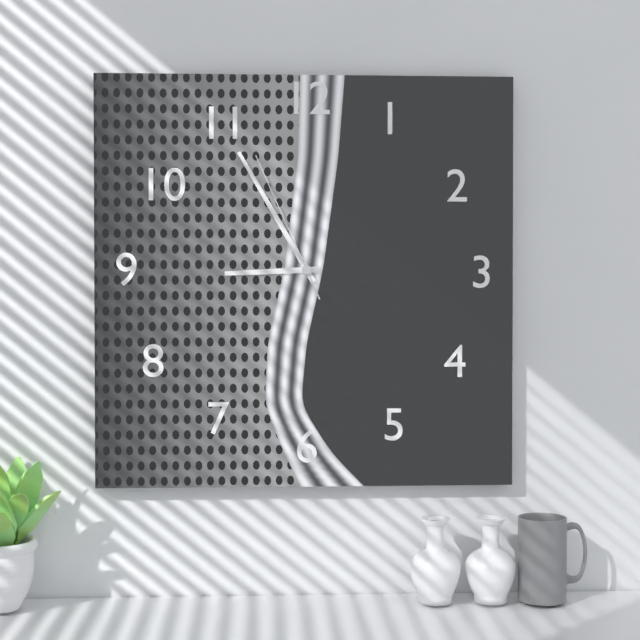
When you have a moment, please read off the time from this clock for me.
8:55:56
